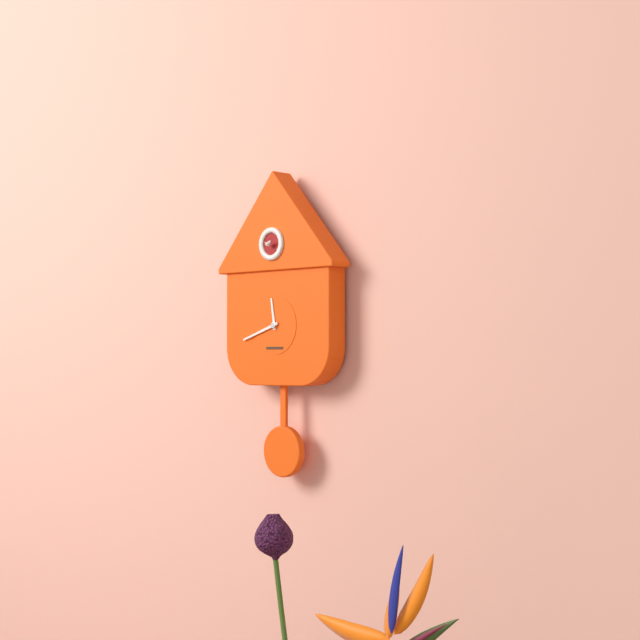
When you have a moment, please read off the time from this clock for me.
11:42
